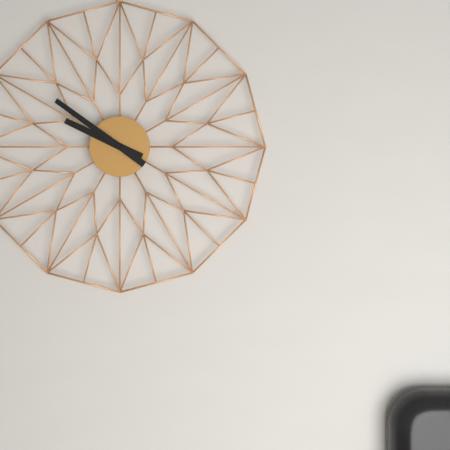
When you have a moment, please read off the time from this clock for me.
9:51
